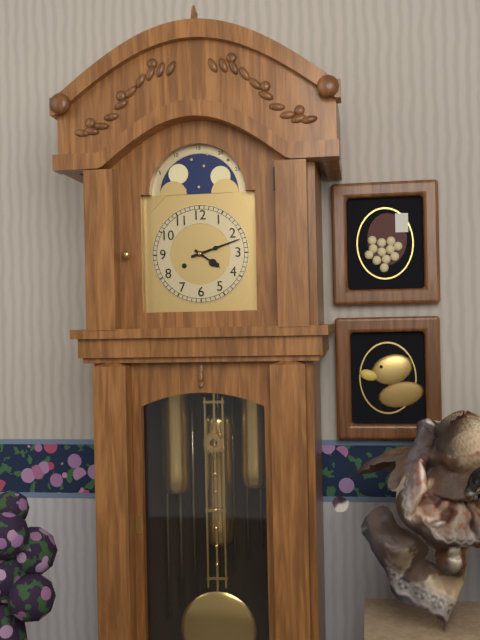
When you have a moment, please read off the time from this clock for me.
4:12
